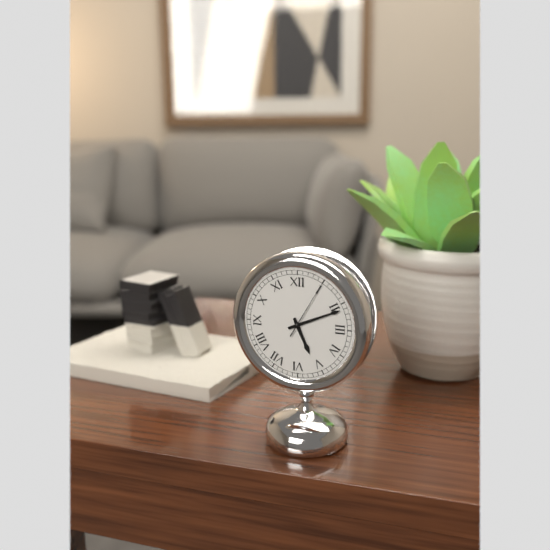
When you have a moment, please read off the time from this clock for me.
5:11:05
